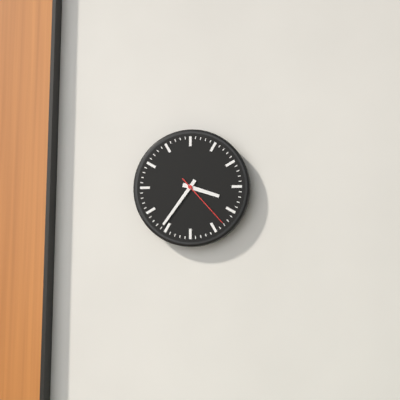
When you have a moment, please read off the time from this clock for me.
3:36:23
